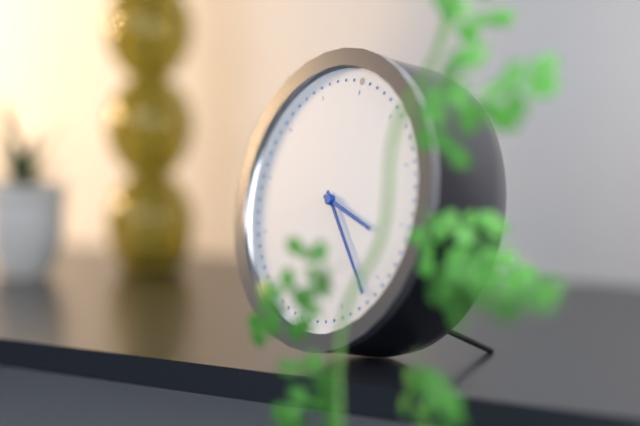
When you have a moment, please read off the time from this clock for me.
3:22
